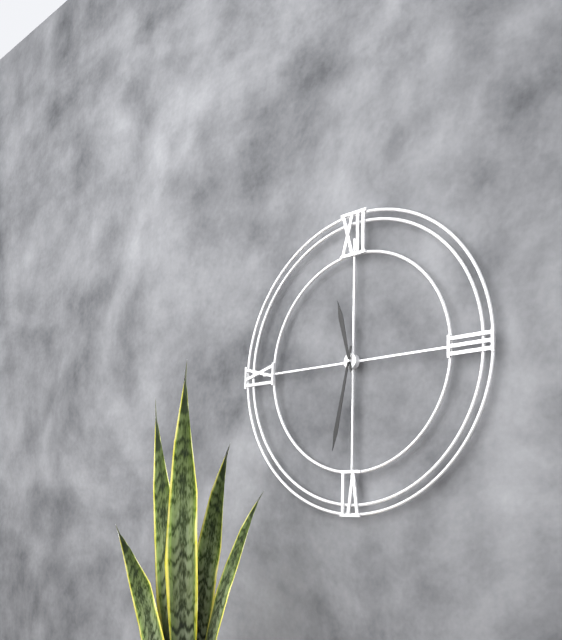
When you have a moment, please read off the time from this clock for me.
11:32
